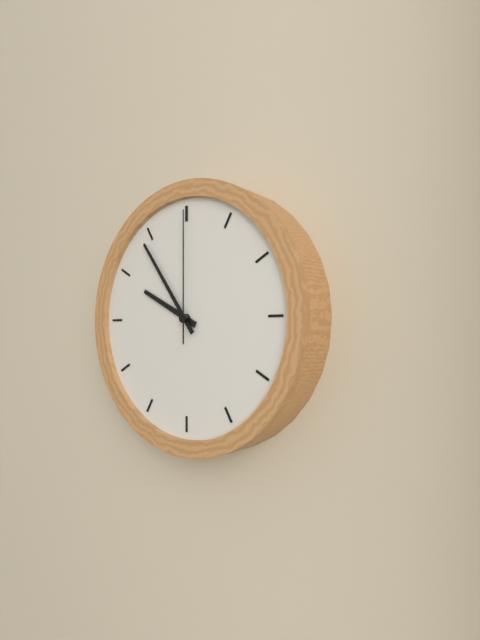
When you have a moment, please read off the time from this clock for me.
9:54:00
